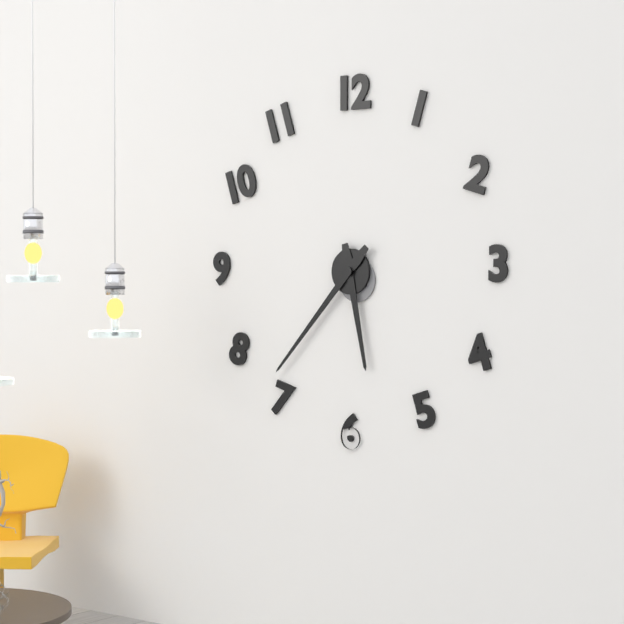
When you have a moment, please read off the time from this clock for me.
5:37
